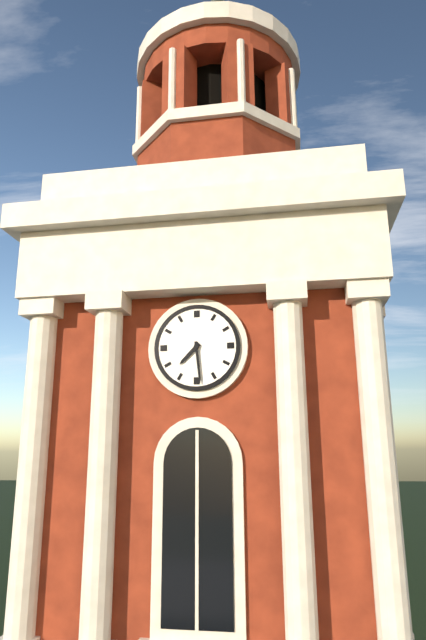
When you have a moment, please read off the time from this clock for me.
7:29
